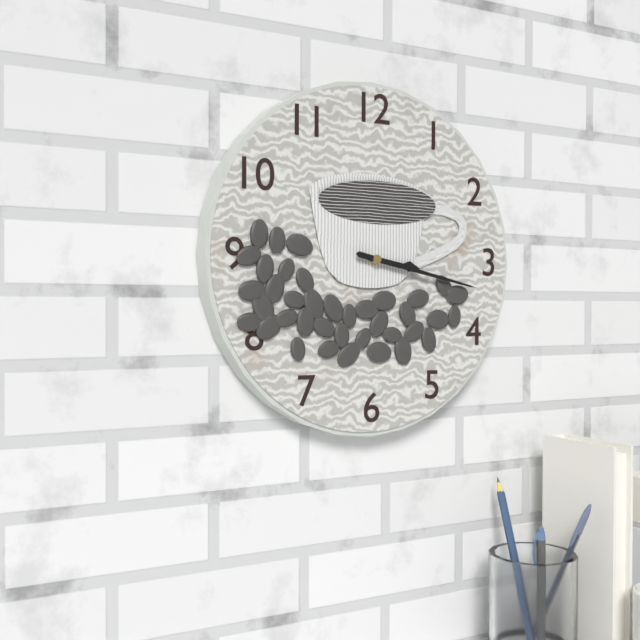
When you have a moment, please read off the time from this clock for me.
3:17
